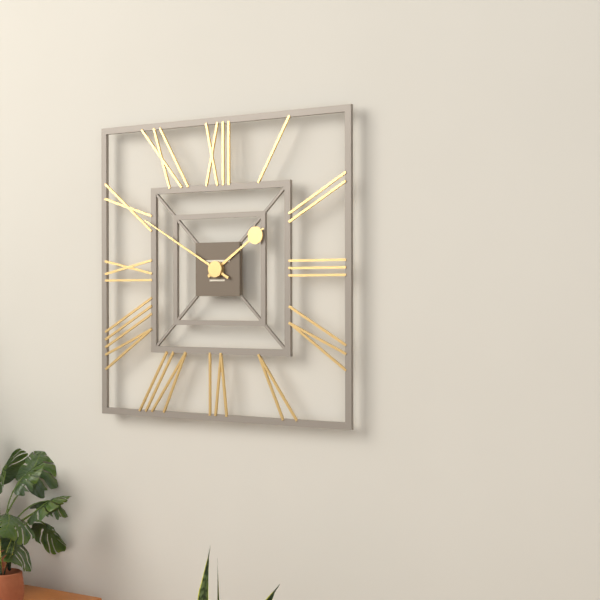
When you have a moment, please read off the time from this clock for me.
1:50
